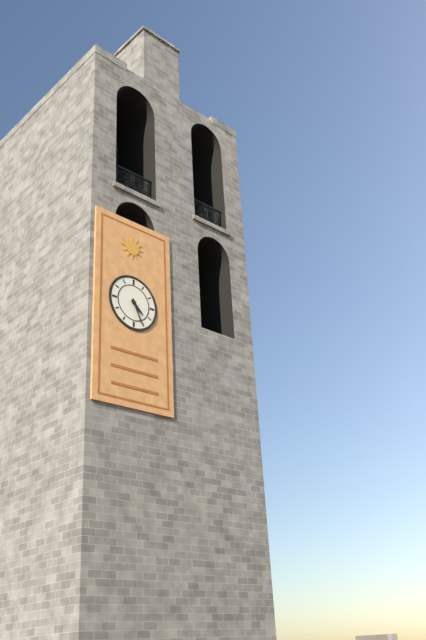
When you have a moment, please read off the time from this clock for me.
4:26
